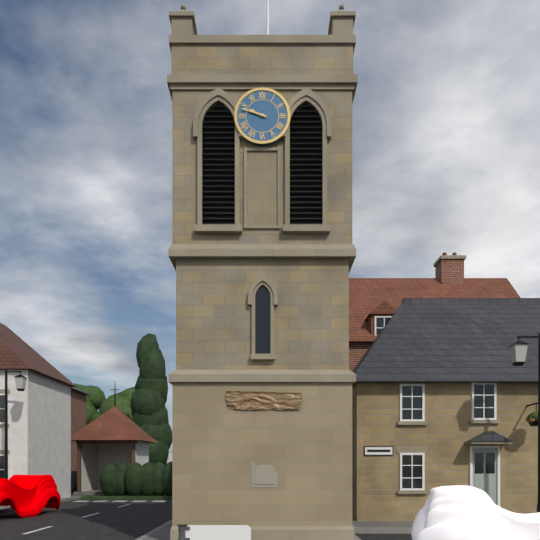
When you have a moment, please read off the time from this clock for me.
9:48
